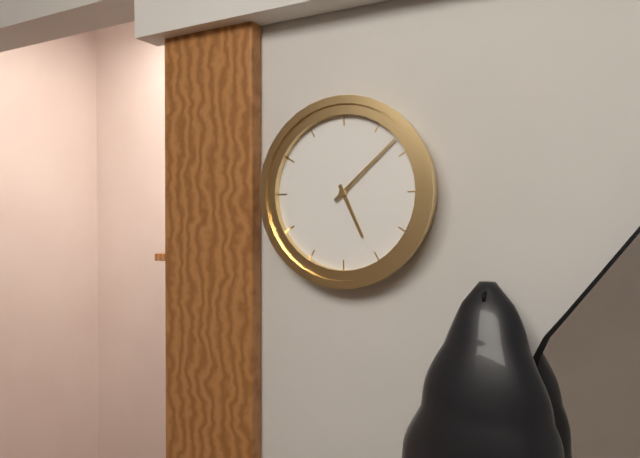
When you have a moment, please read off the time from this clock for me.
5:08
